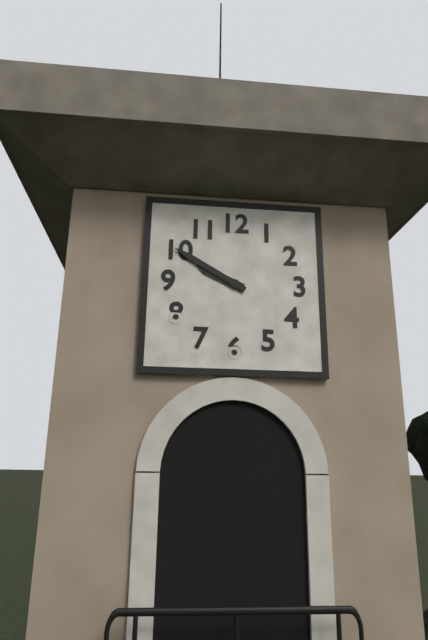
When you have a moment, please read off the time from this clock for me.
9:50
